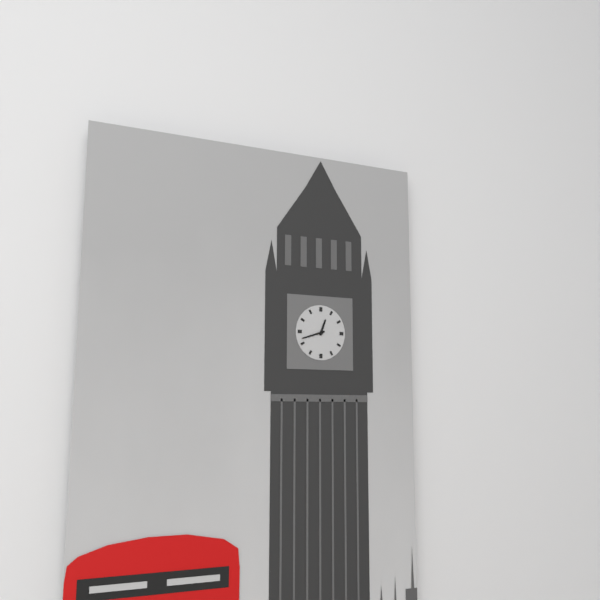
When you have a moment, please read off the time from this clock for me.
12:42
